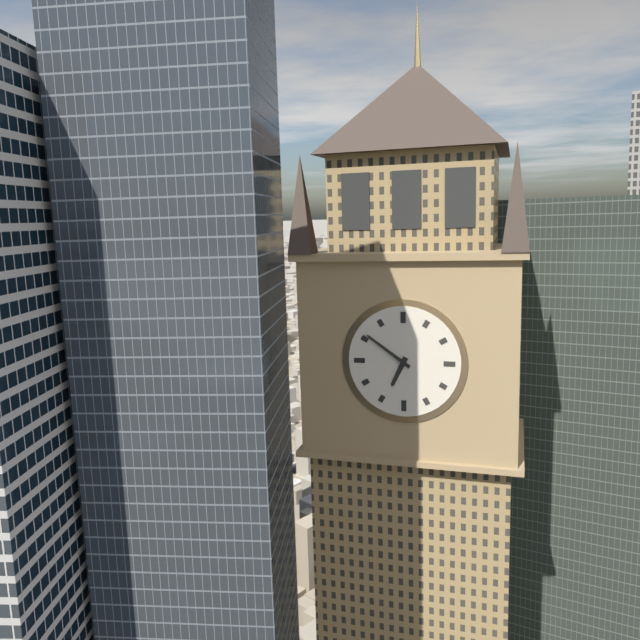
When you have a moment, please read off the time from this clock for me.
6:51
